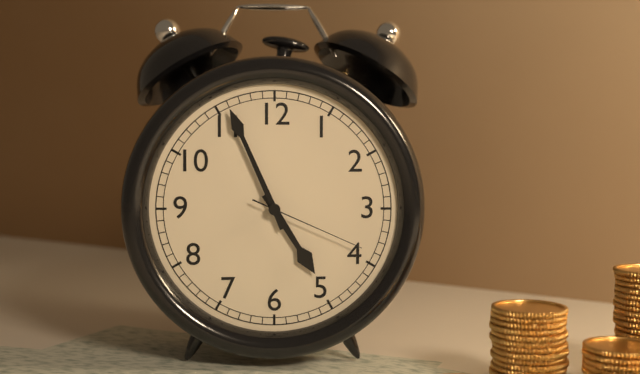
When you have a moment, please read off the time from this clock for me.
4:56:19
